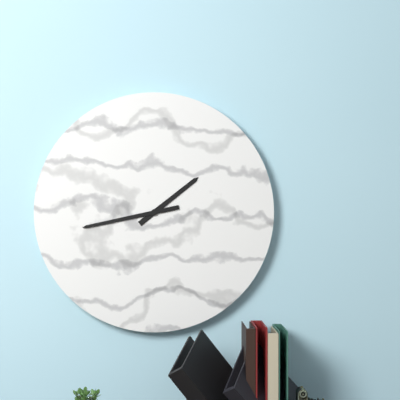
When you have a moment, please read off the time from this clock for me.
1:43
